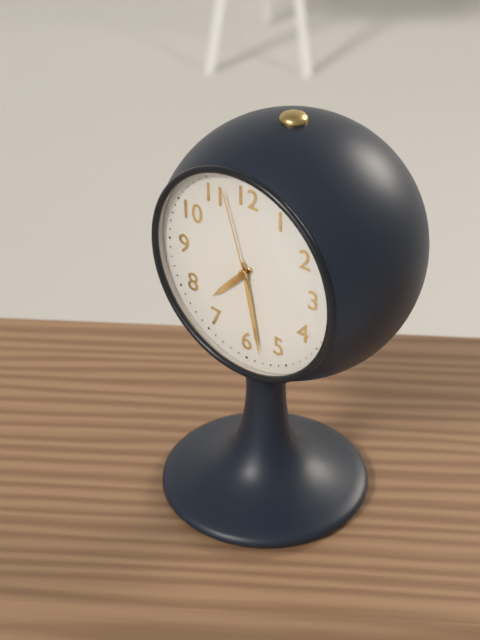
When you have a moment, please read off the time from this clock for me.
7:28:57
